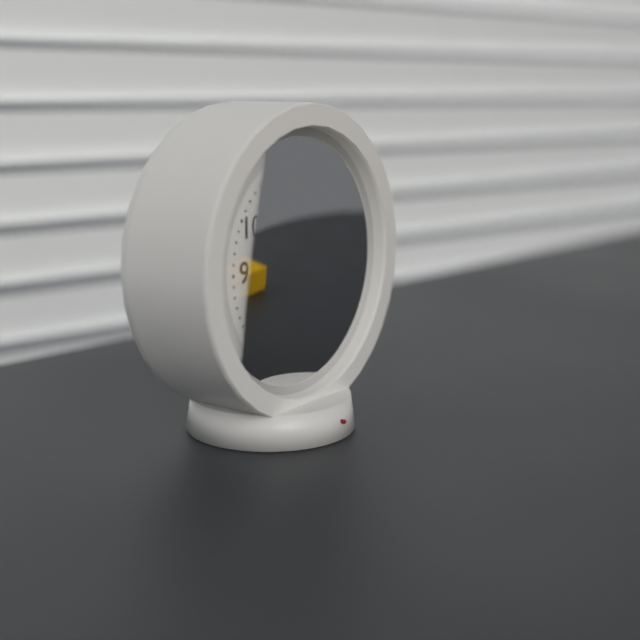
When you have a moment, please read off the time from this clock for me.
12:41:10
